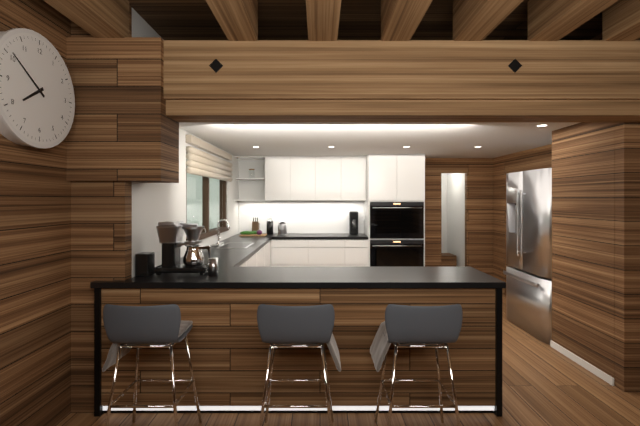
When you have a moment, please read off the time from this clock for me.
7:51
